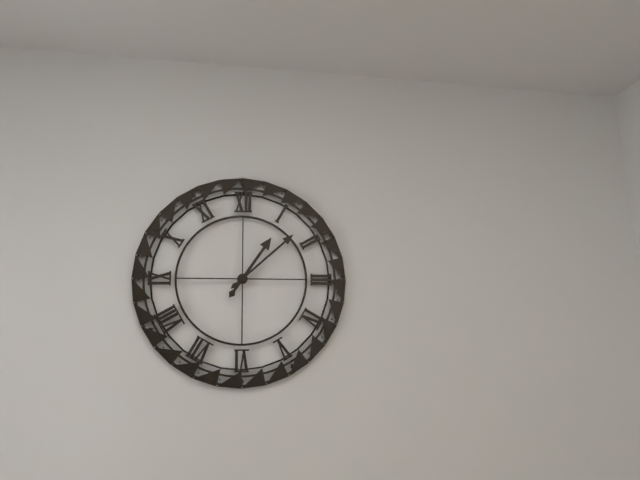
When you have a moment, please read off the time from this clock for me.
1:08
